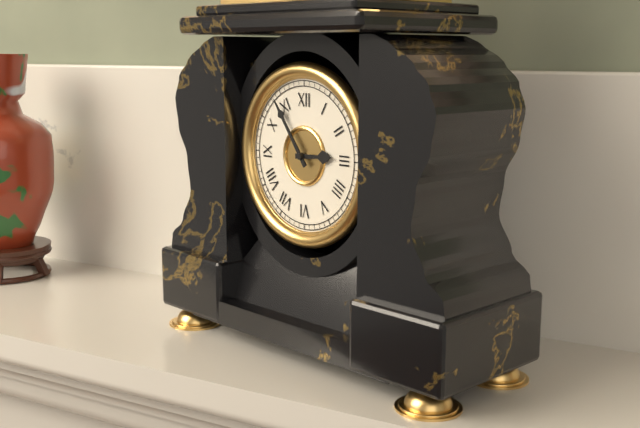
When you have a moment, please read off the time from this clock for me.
2:54
